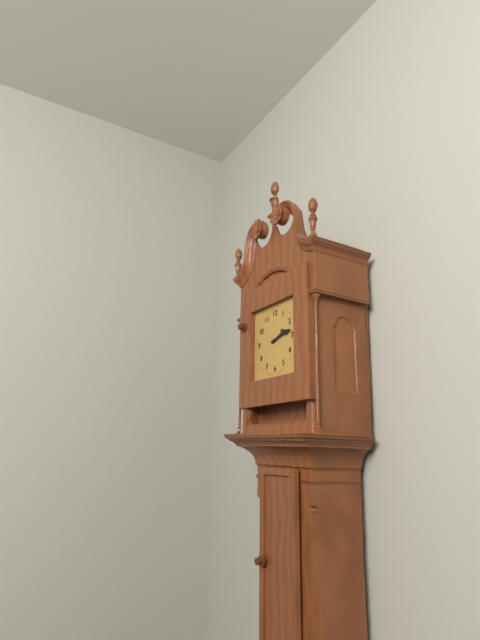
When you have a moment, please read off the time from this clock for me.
2:13
